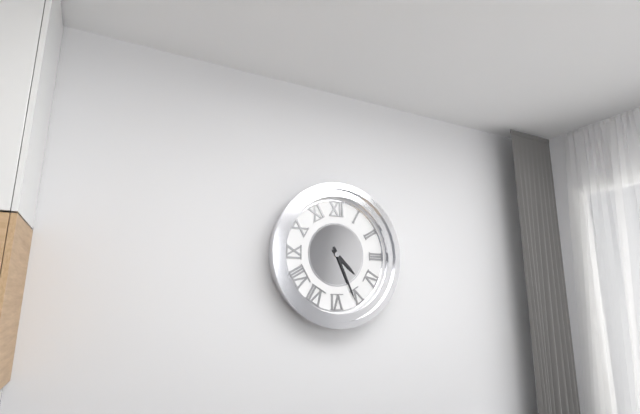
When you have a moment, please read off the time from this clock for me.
4:26
